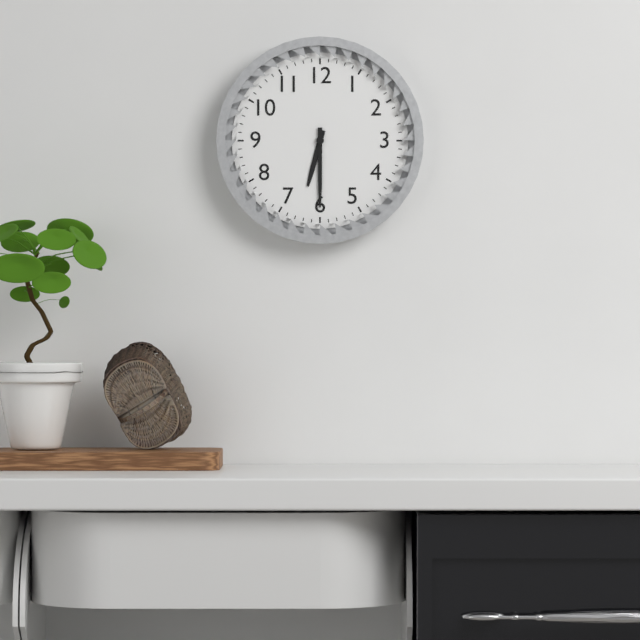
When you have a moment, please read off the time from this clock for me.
6:30
